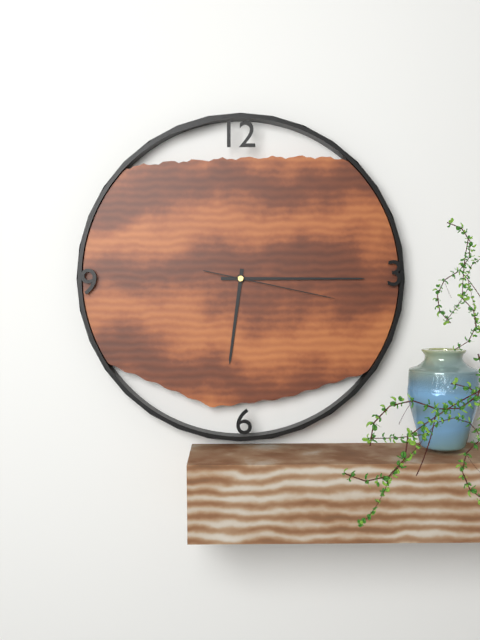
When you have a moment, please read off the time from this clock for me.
6:15:17
